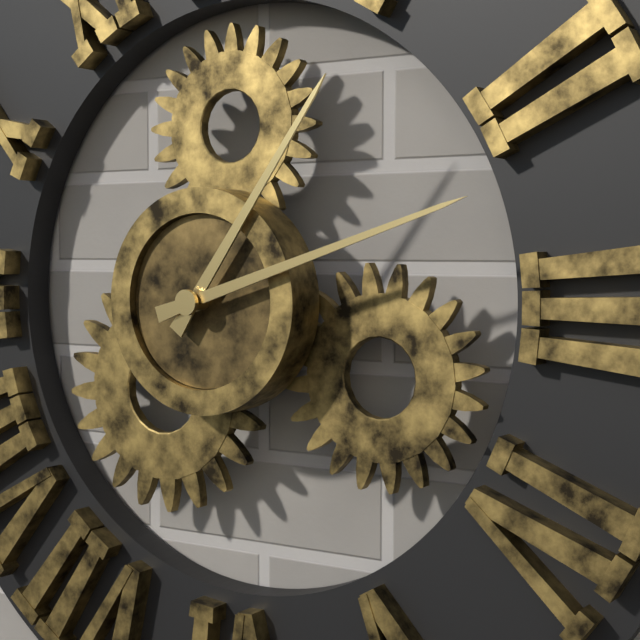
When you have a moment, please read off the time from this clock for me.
1:12
